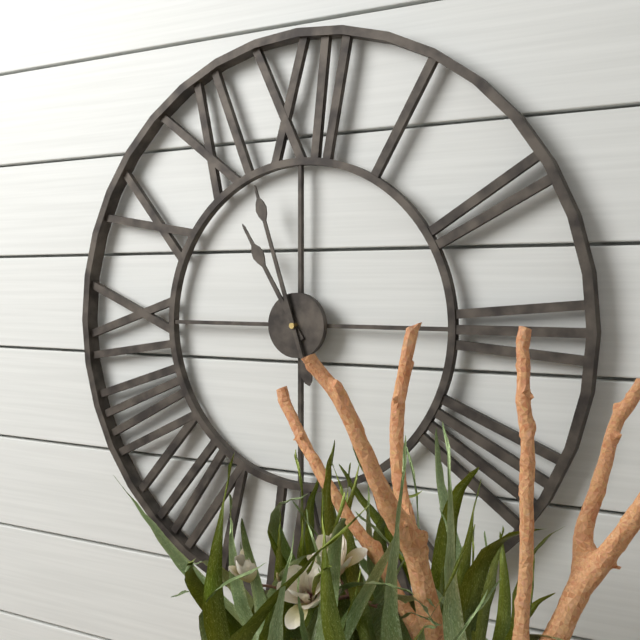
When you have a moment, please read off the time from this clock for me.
10:57
